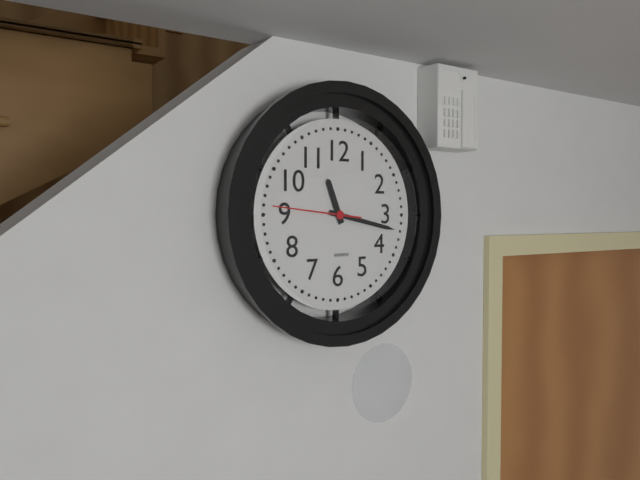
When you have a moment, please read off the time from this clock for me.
11:17:46
